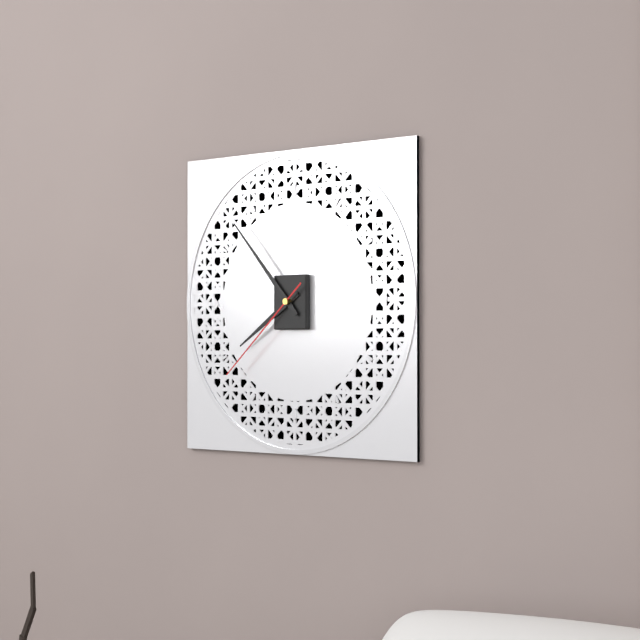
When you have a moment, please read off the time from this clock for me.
7:53:38
